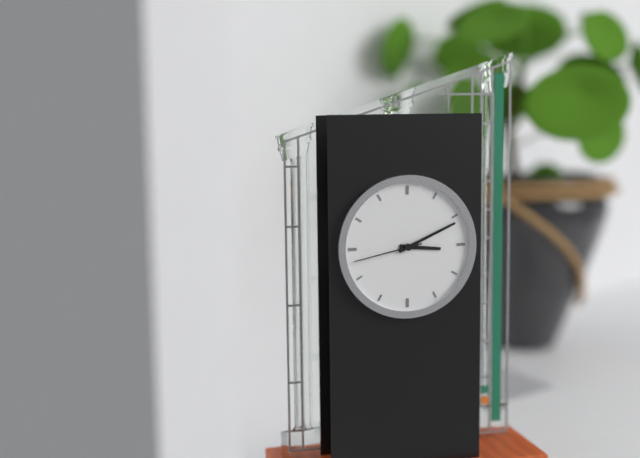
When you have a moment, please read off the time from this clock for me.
3:11:43
